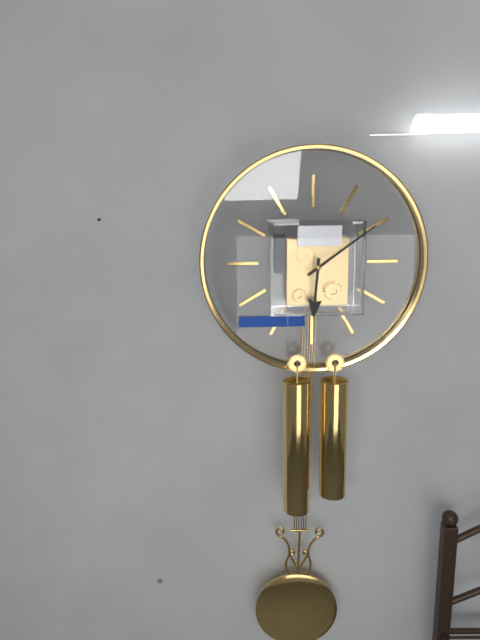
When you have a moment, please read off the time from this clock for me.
6:09
